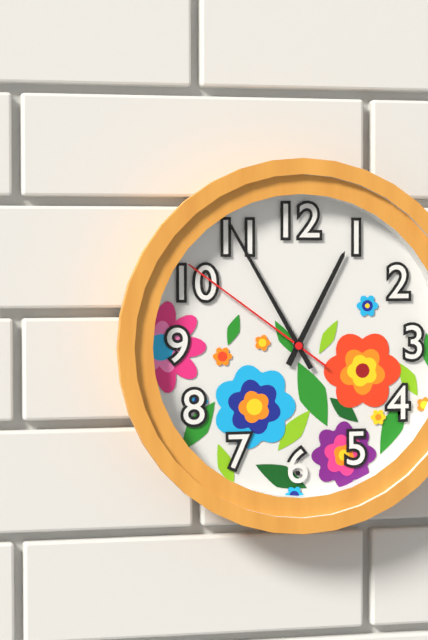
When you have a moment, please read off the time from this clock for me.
12:55:51
